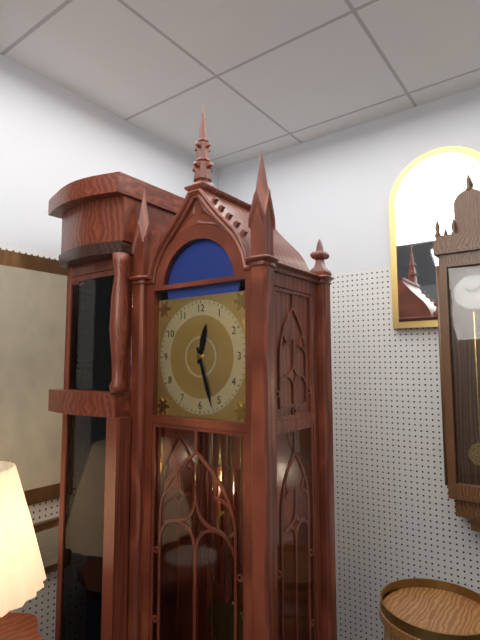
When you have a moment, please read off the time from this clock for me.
12:27
